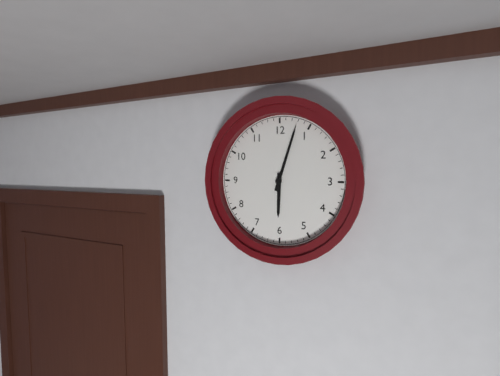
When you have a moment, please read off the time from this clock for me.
6:03
